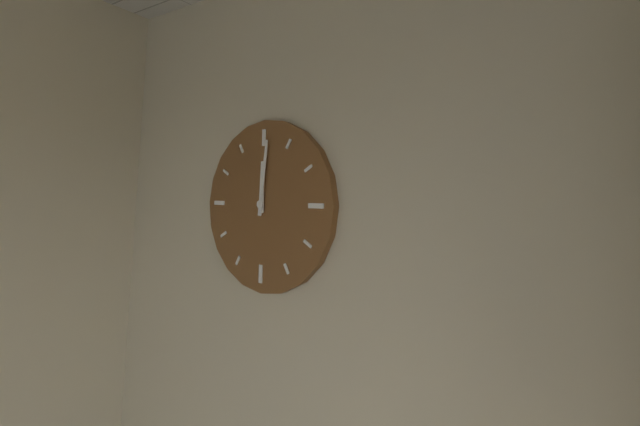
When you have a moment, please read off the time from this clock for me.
12:01
